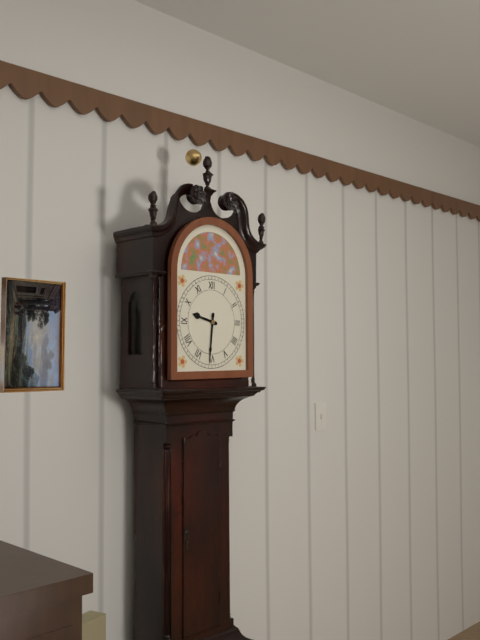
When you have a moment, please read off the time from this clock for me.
9:31
